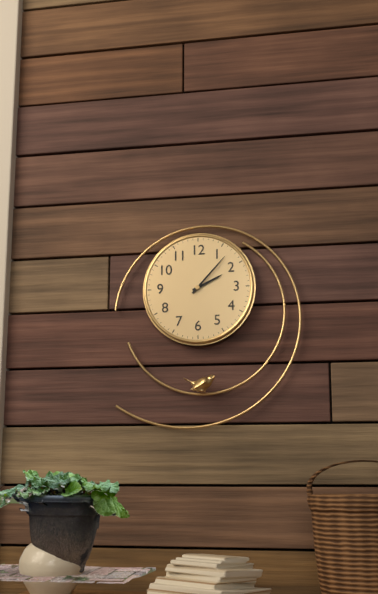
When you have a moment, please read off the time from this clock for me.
2:07
